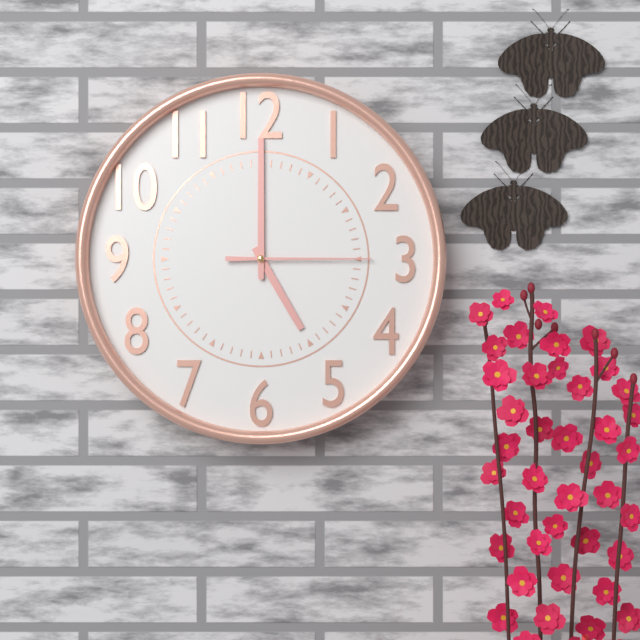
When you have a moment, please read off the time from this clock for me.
5:00:15
